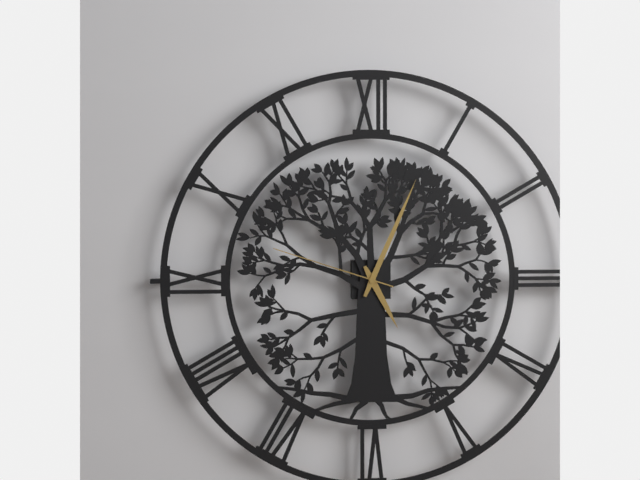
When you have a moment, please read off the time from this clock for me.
5:04:48
